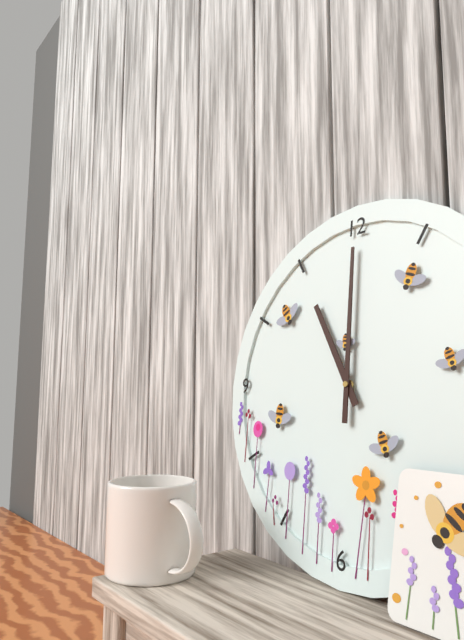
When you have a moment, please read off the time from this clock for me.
11:00
